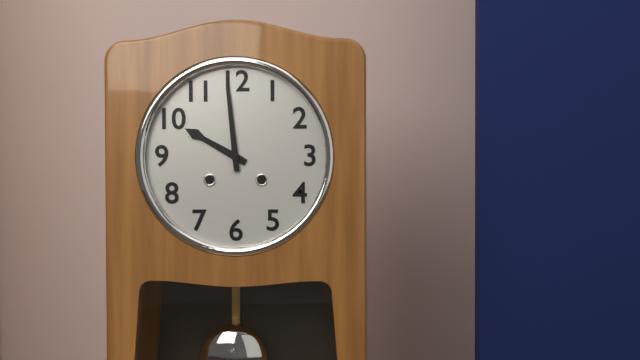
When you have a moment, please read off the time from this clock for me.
9:59
